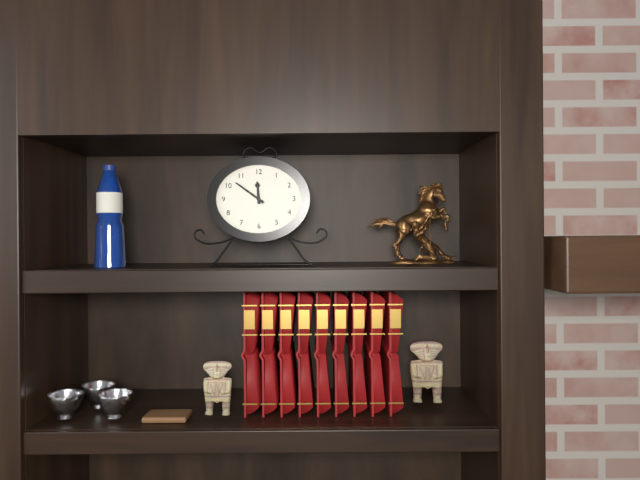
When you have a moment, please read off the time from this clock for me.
11:51
